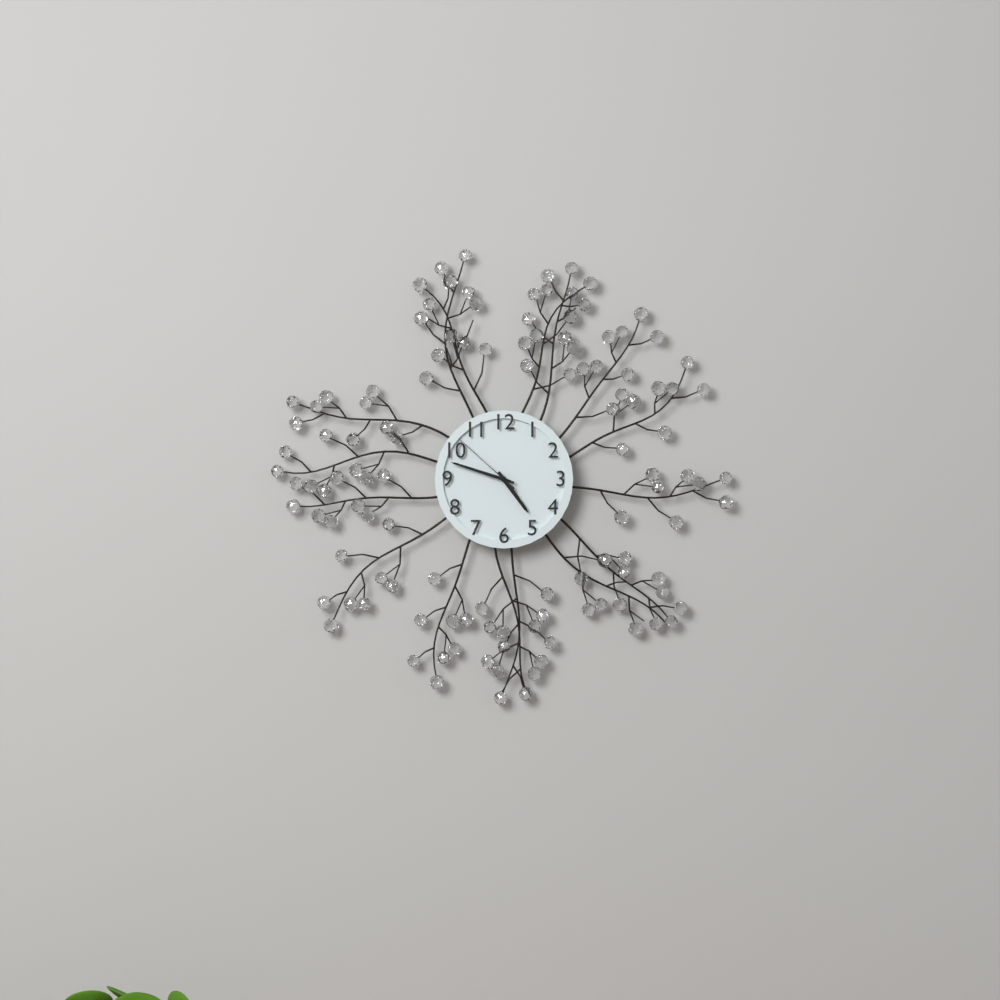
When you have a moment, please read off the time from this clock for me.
4:48:52
